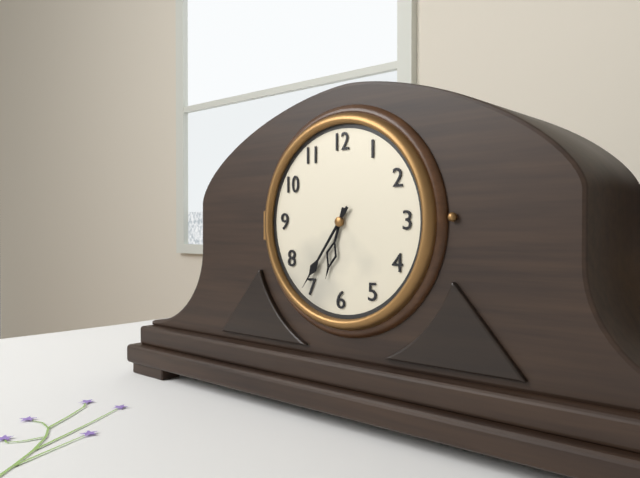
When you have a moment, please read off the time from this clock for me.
6:36
